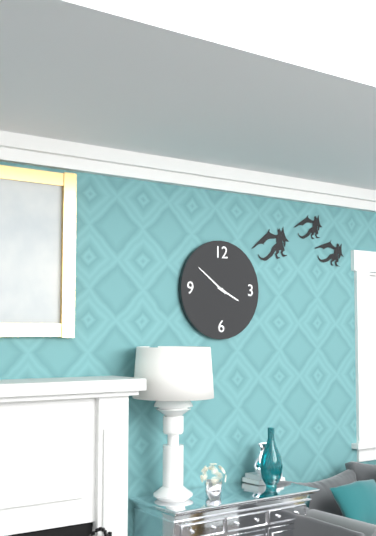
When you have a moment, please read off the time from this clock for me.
3:51
